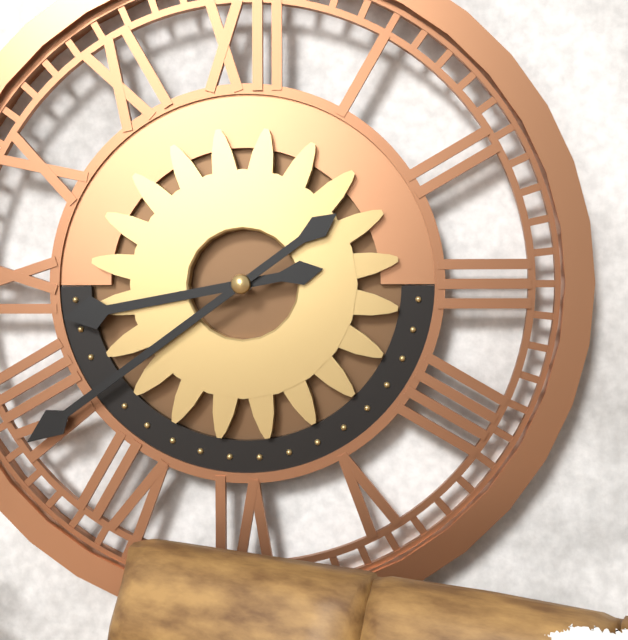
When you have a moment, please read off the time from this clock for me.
8:39
